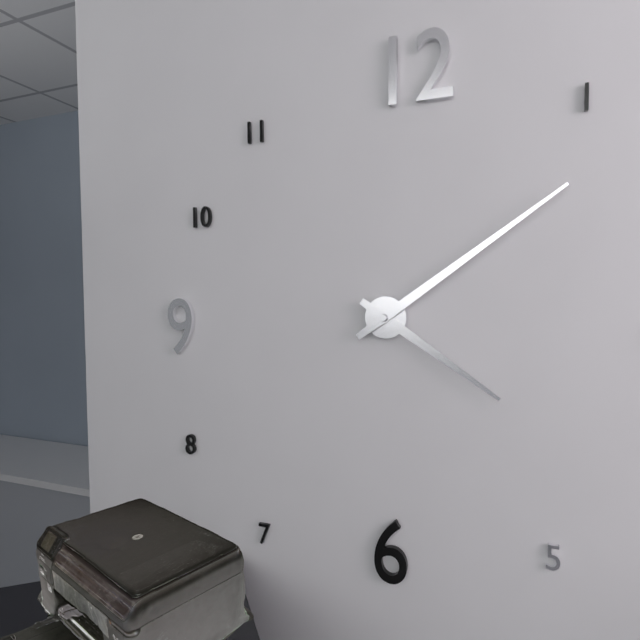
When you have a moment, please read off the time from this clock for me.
4:09
